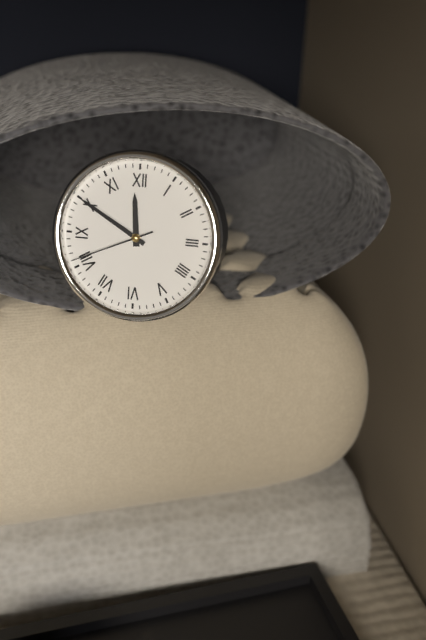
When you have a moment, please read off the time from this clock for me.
11:50:41
